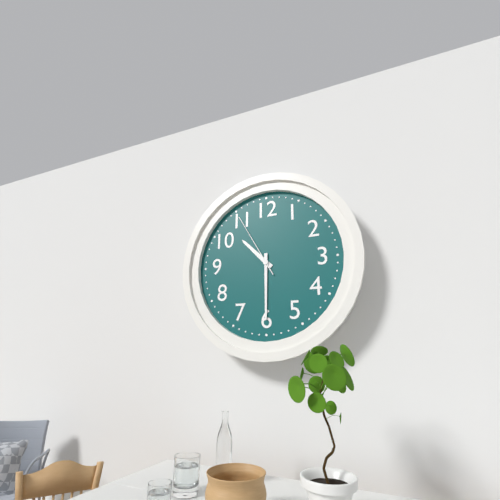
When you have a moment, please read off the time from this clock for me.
10:30:55
